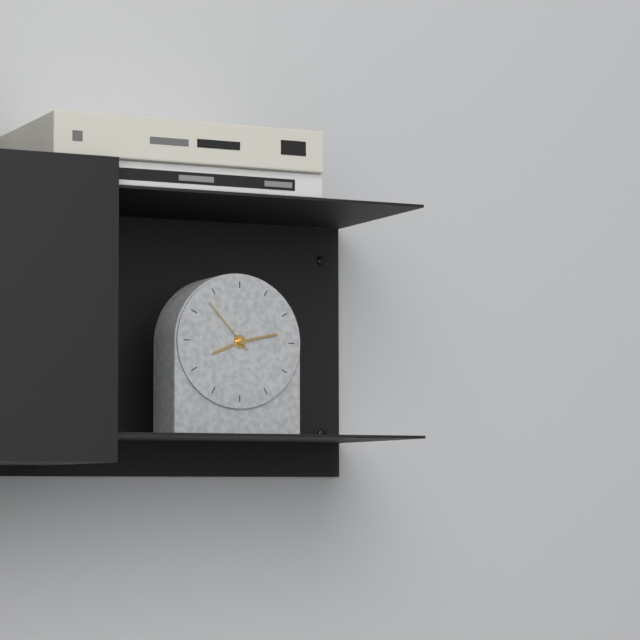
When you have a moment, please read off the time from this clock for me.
8:13:53
